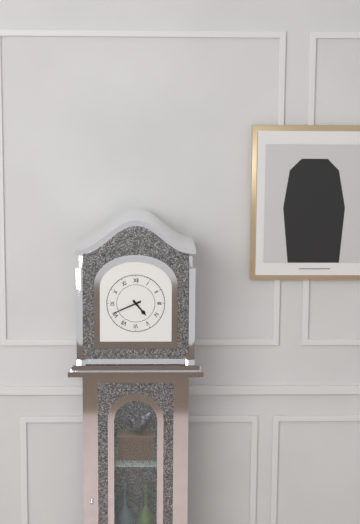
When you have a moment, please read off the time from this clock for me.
4:41
